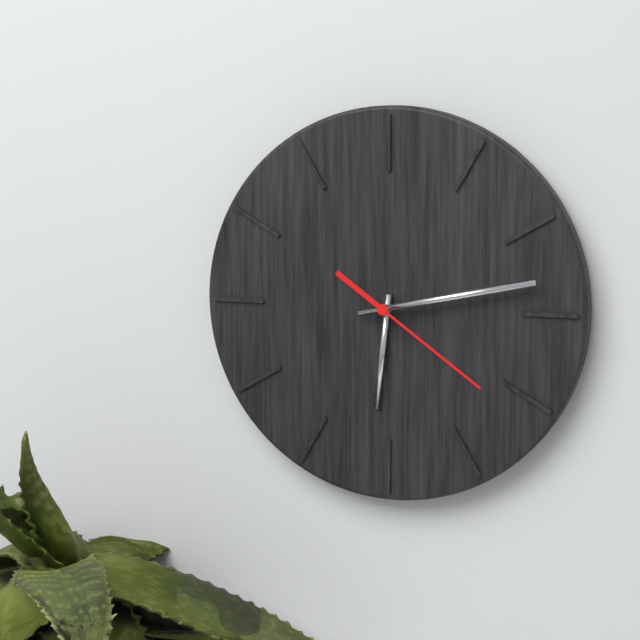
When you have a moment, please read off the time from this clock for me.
6:13:21
